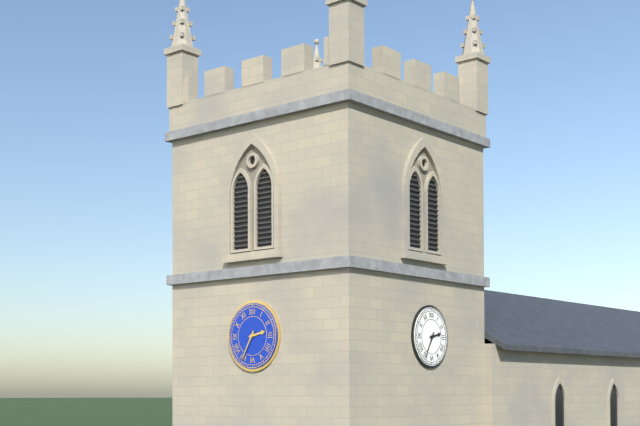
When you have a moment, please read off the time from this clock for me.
2:35
